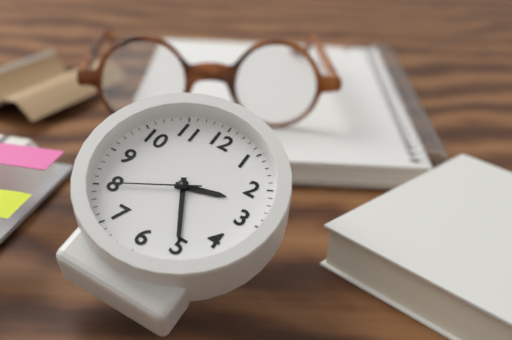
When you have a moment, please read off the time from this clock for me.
2:25:40
